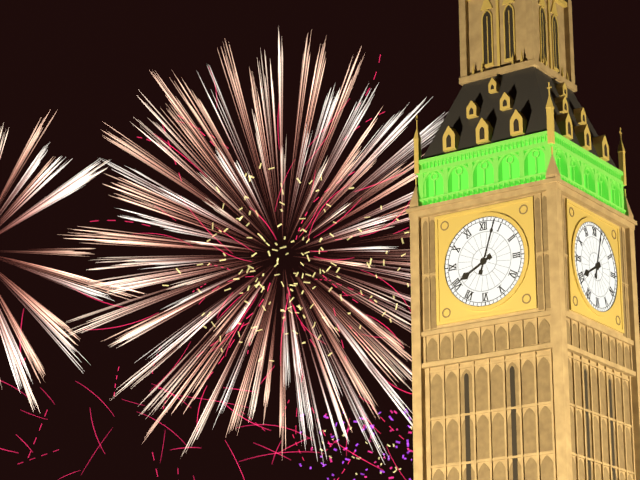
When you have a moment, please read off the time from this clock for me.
8:03
